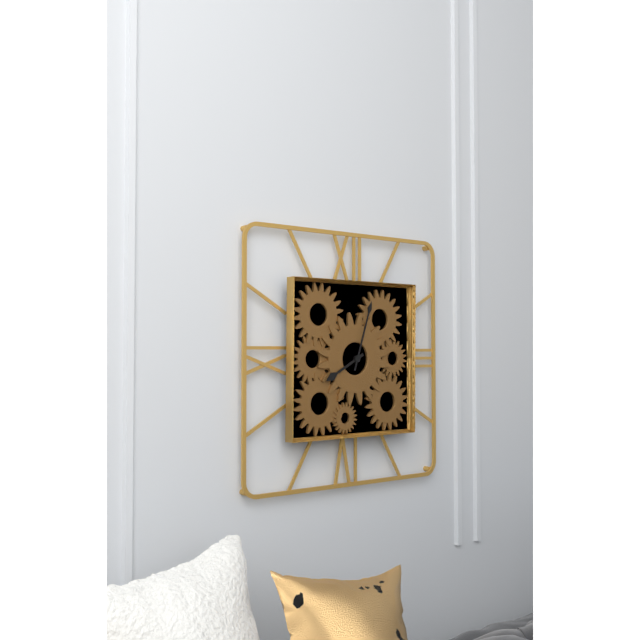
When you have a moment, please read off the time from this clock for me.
8:03
